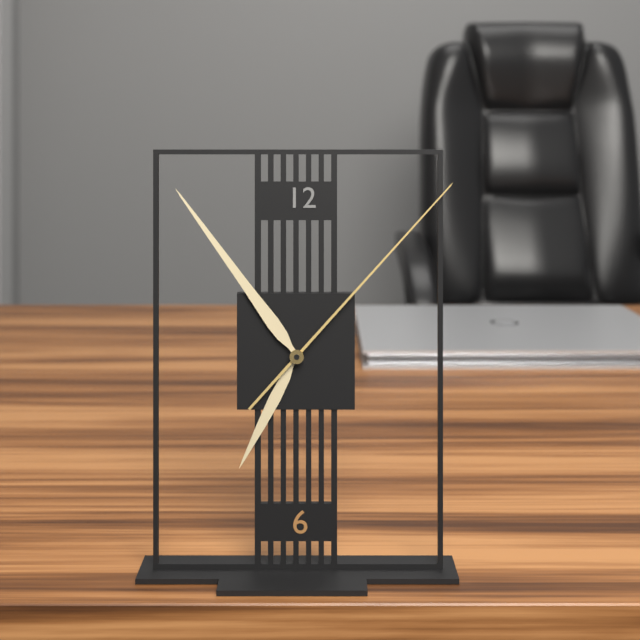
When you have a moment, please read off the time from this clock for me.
6:54:07
